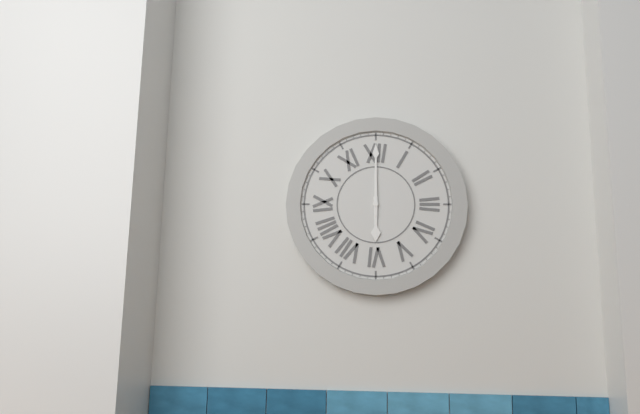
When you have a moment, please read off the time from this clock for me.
6:00
